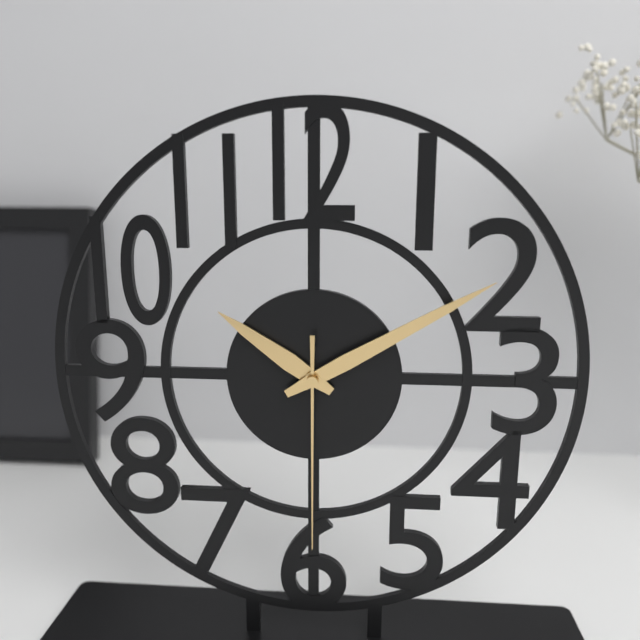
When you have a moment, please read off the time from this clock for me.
10:10:30
